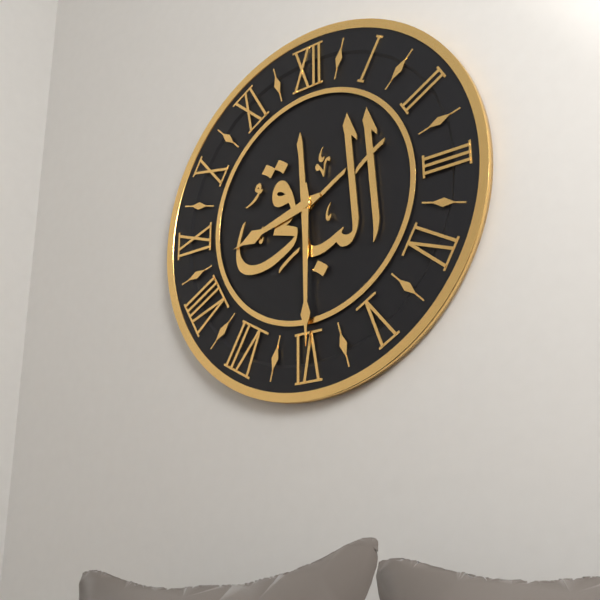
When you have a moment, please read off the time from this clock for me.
8:30
